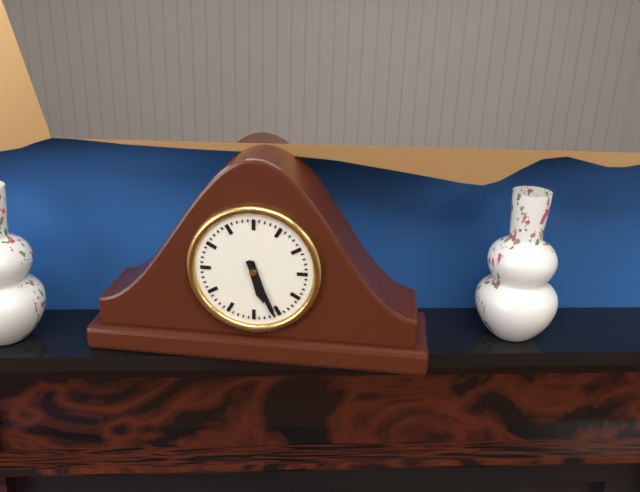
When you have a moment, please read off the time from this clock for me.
5:26
